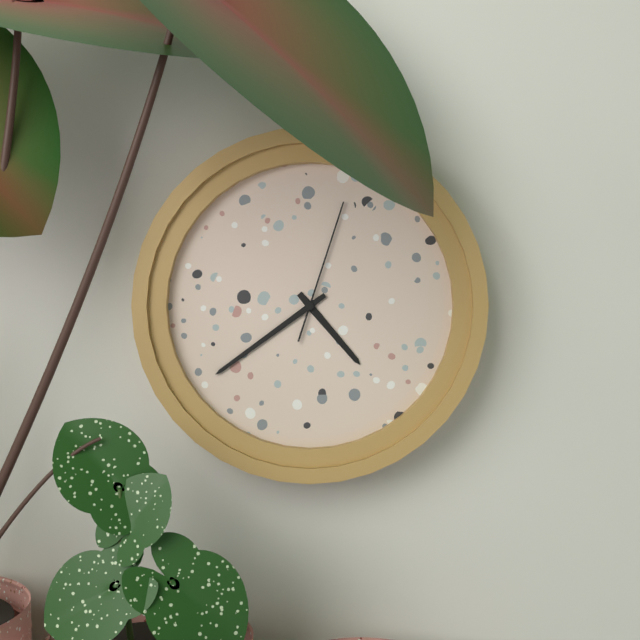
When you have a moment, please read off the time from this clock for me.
4:39:03
